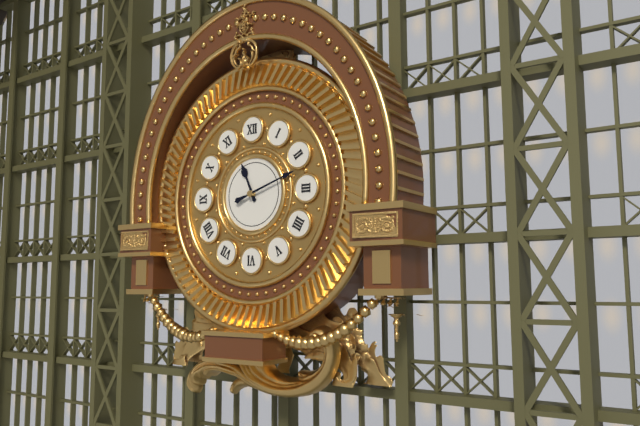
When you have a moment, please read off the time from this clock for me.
11:12
